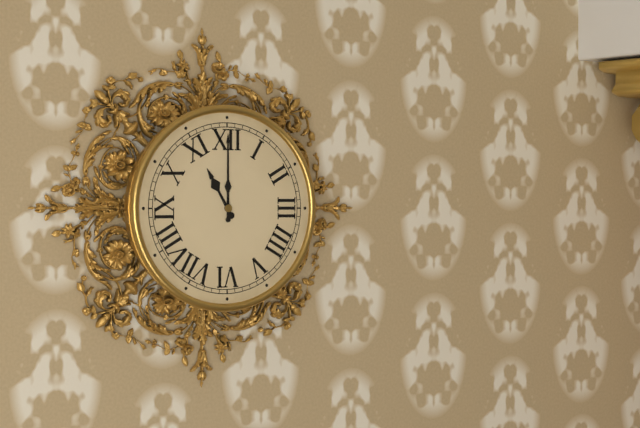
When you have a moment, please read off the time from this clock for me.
11:00
